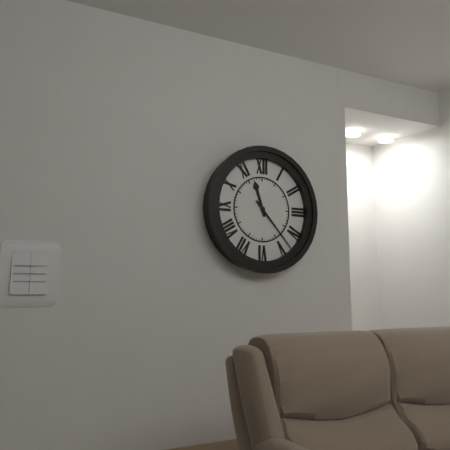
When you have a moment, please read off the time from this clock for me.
11:23
